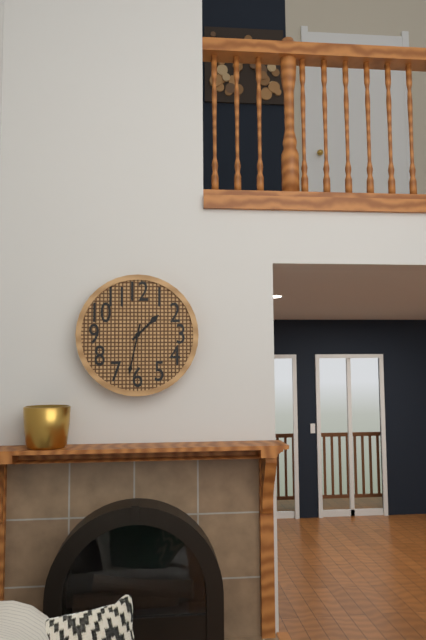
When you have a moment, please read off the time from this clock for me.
1:32
